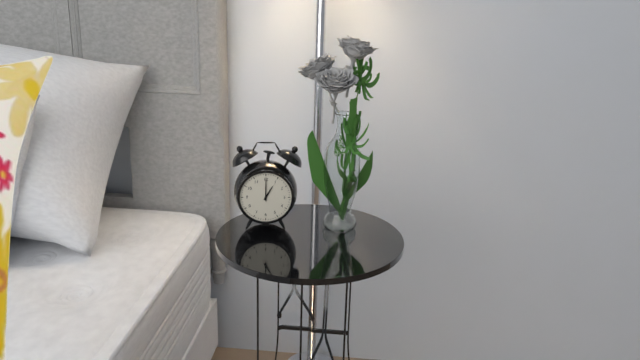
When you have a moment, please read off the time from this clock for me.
1:00
